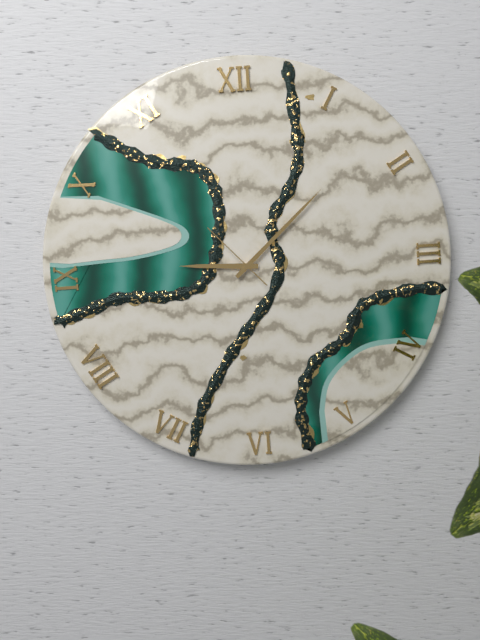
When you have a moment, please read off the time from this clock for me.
9:08:53
